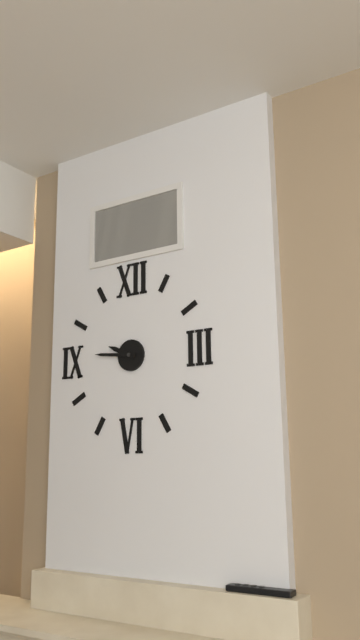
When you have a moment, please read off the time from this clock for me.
9:46
